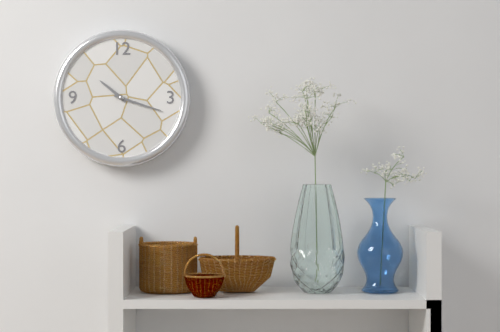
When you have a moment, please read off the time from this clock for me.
10:18
